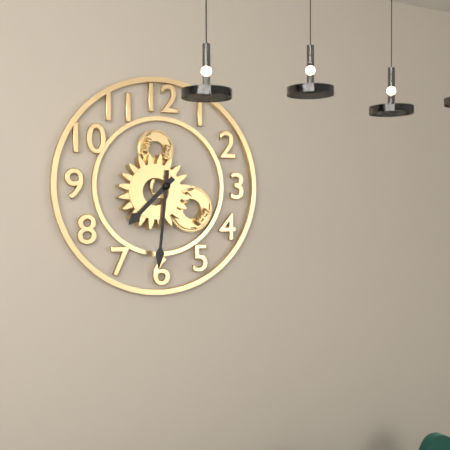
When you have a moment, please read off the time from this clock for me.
7:31
